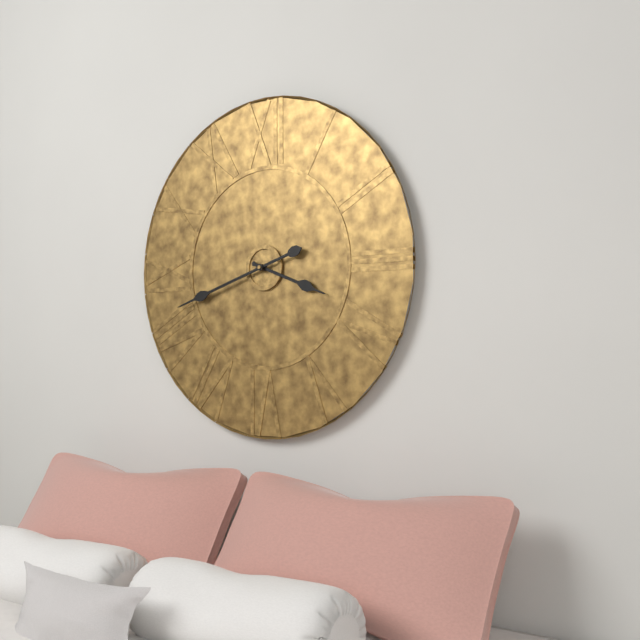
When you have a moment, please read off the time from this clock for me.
3:42
